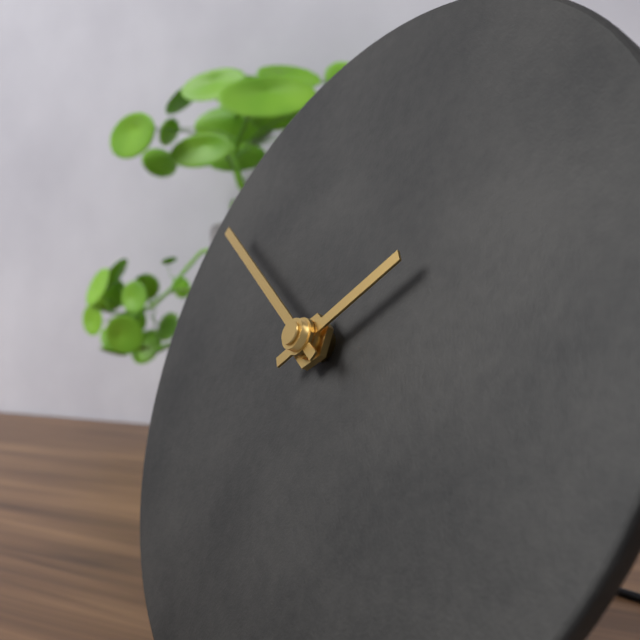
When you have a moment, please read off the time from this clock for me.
1:50
